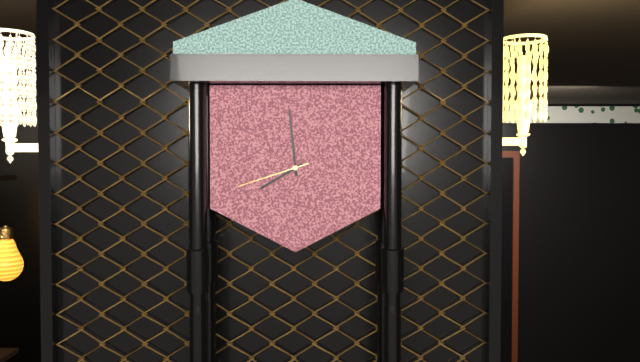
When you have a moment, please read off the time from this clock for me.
7:59:42
